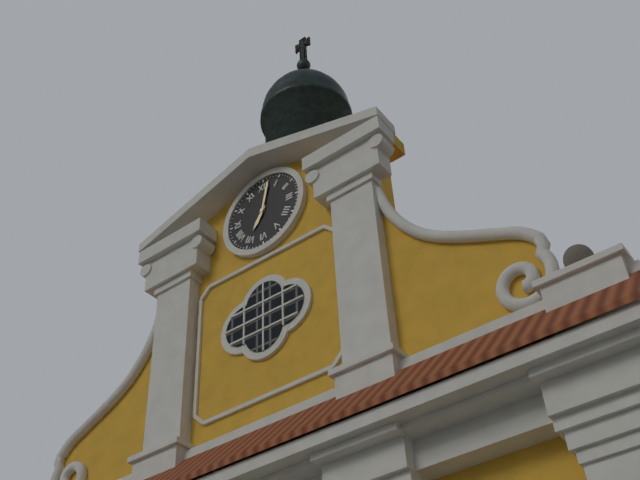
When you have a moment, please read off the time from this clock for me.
7:02
